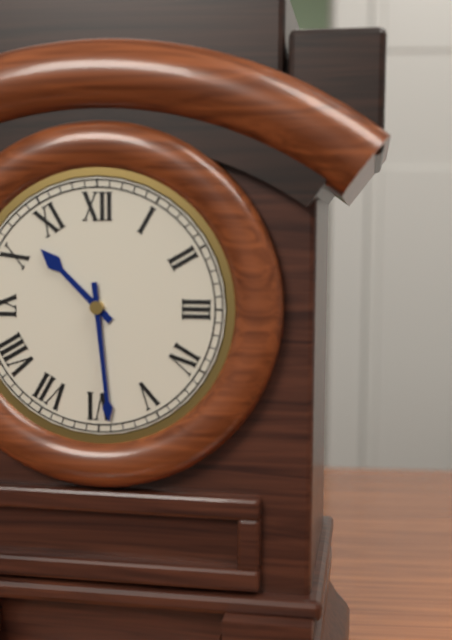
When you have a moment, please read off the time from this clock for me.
10:29
